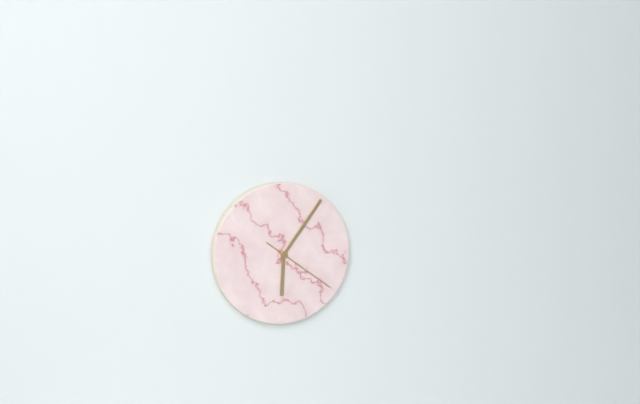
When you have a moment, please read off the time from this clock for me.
6:06:21
